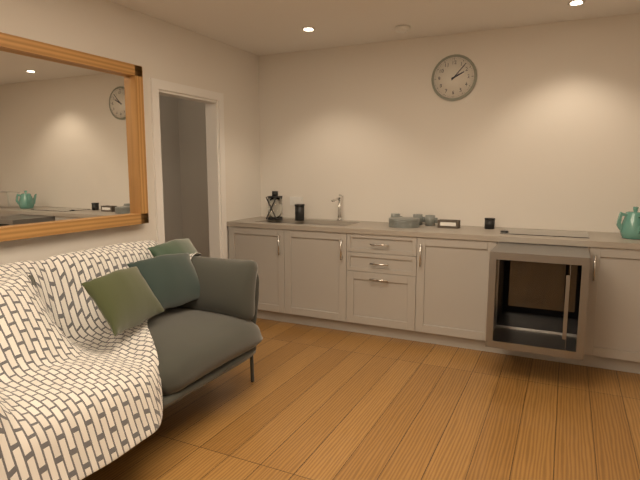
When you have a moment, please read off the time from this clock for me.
2:07
